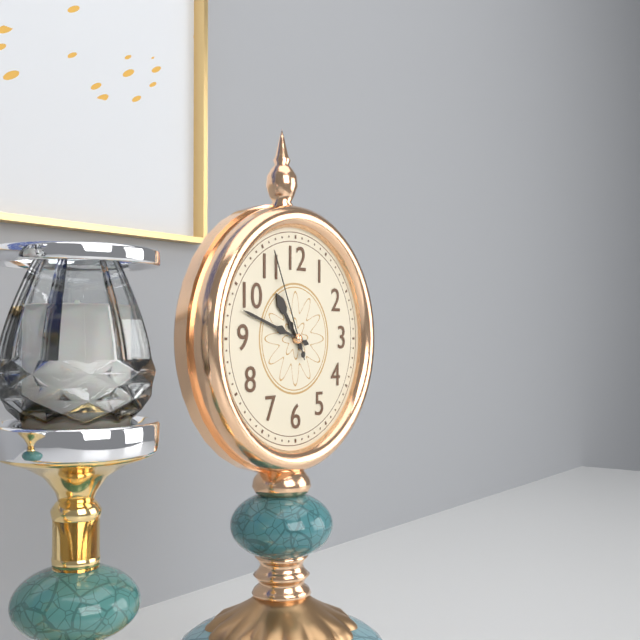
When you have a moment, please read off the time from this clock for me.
10:48:56
